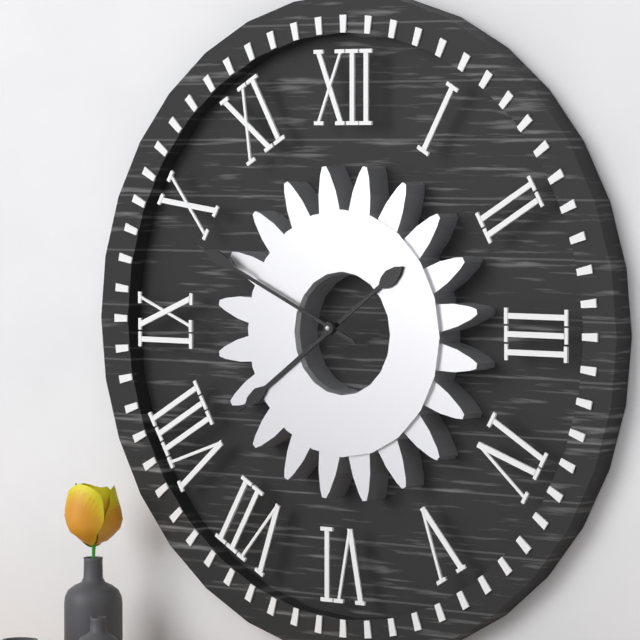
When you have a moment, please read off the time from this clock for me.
7:49
